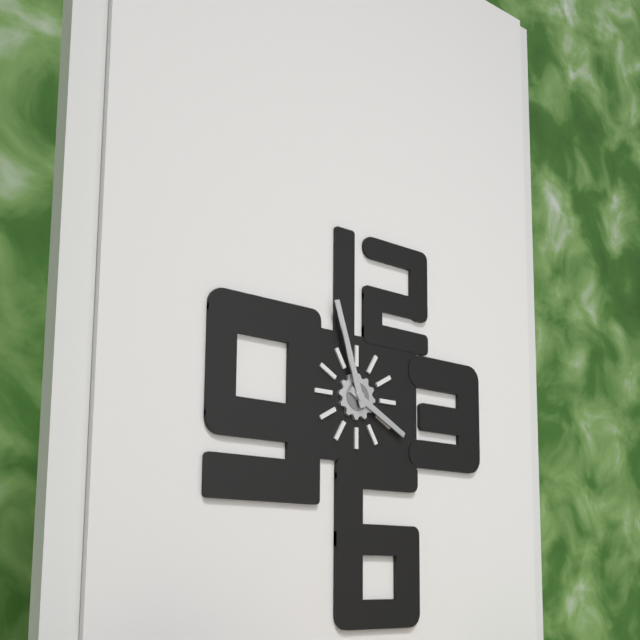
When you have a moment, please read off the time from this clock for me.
3:57
